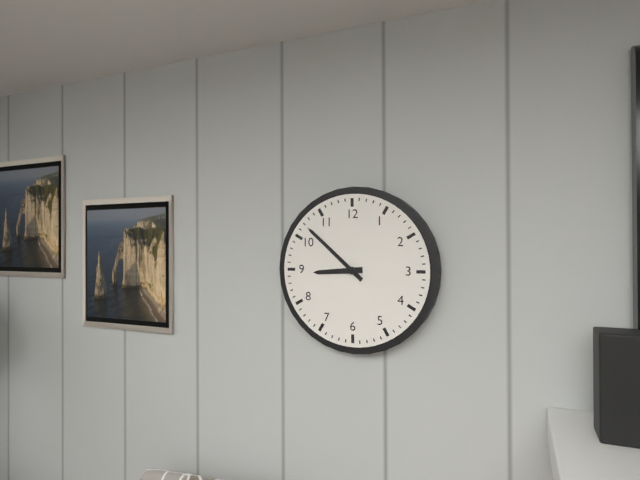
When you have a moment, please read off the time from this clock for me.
8:52
